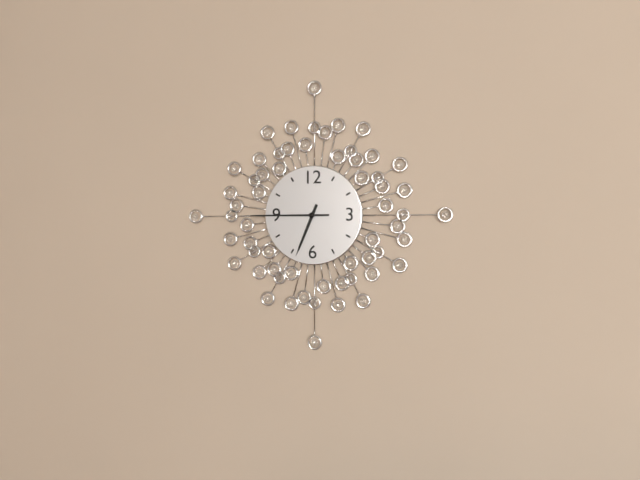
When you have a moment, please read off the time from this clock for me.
6:45
